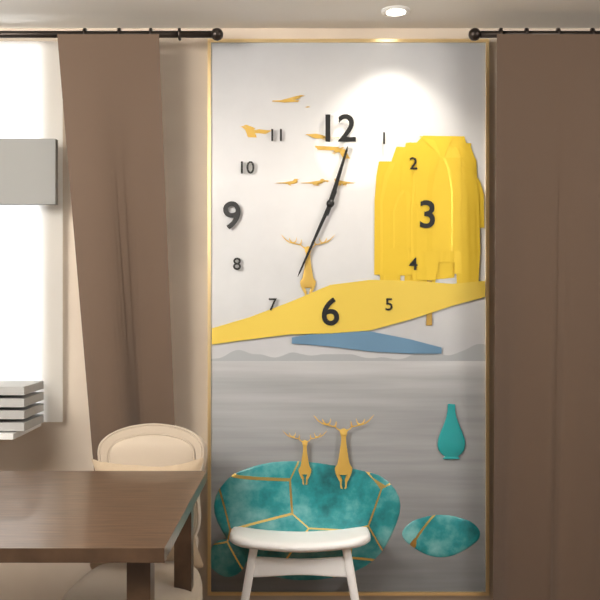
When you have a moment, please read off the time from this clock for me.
12:34
